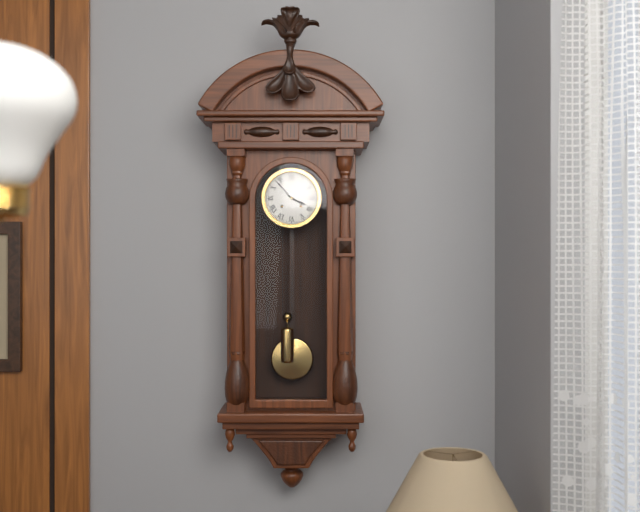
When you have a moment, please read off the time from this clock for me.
3:53
